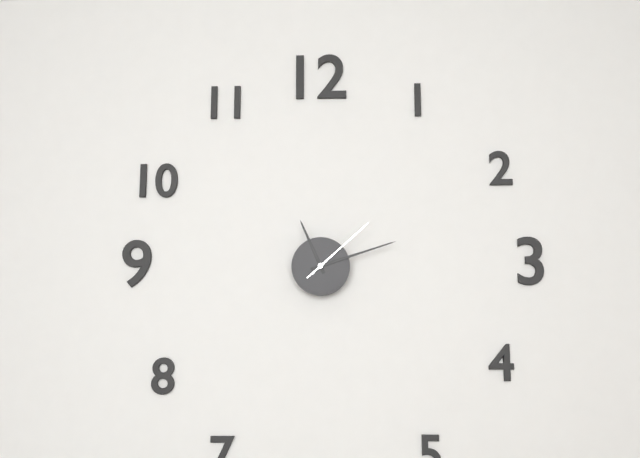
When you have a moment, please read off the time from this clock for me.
11:12:08
